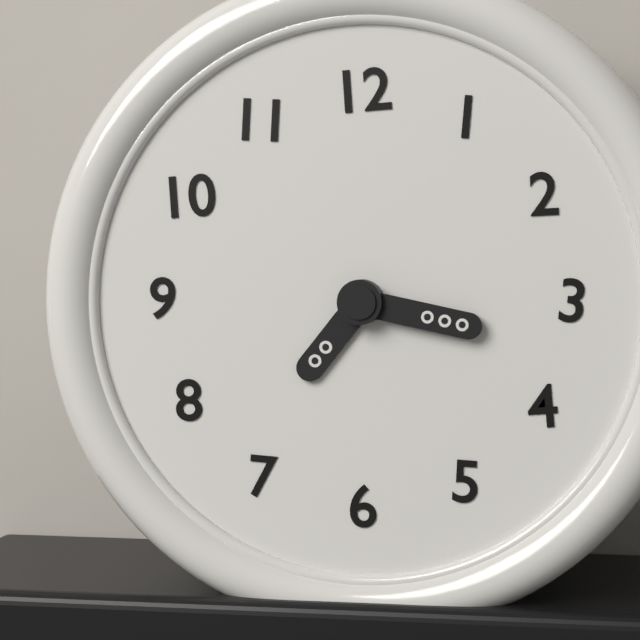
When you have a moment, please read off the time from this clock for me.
7:17
